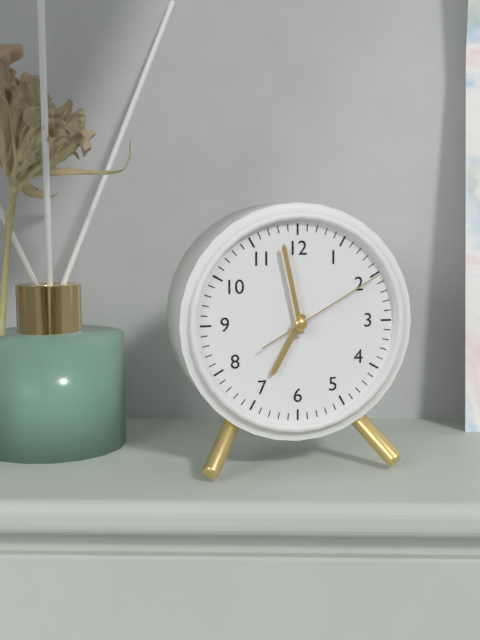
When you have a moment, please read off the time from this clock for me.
6:58:10
